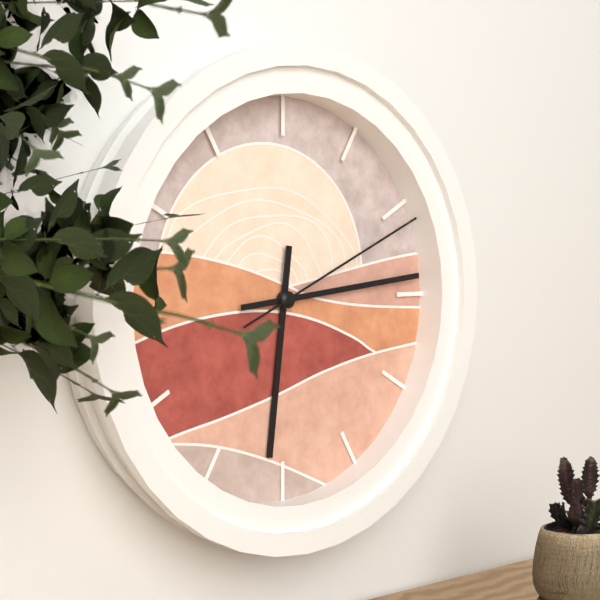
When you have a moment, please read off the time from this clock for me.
6:14:11
